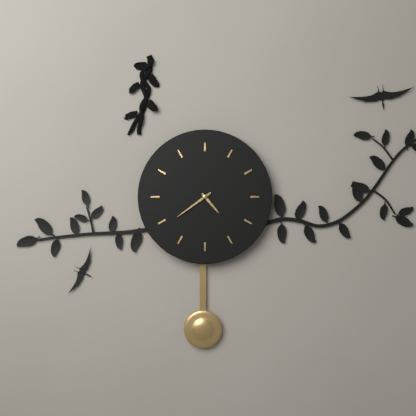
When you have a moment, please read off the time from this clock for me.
4:39
